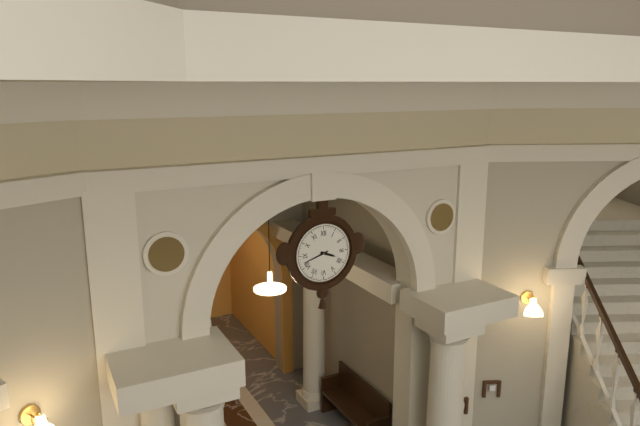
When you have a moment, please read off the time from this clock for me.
3:42
